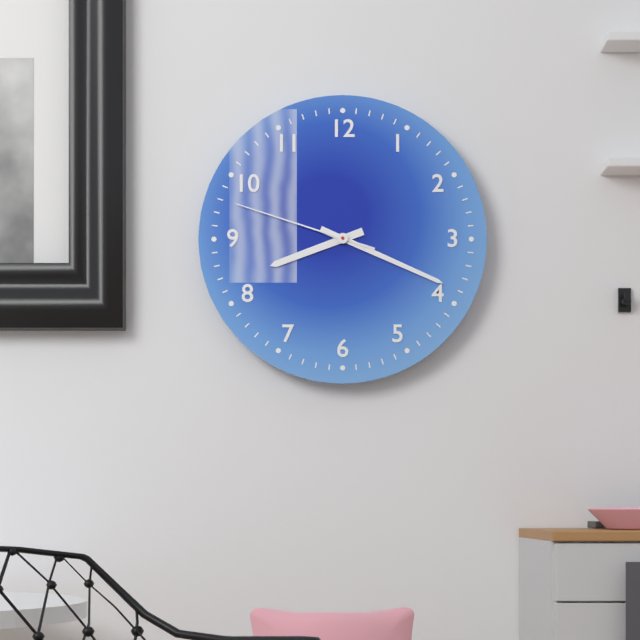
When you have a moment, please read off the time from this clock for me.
8:19:48
